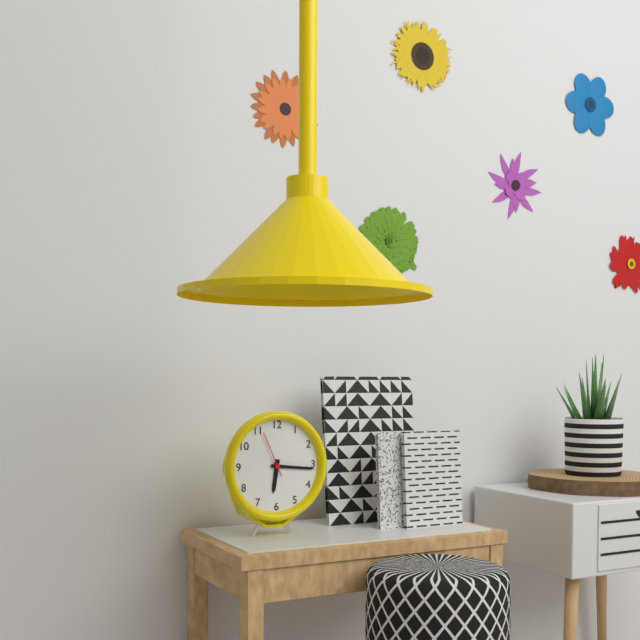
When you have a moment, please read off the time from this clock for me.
6:16
